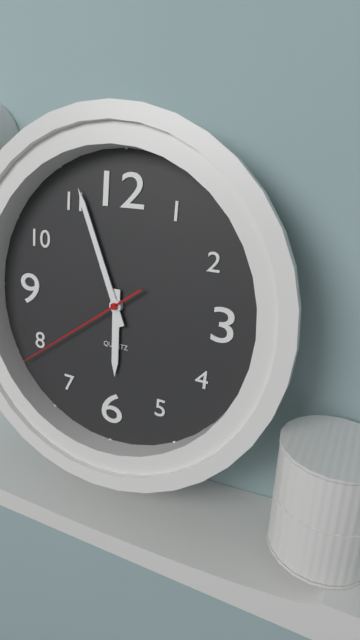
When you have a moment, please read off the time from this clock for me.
5:56:39
